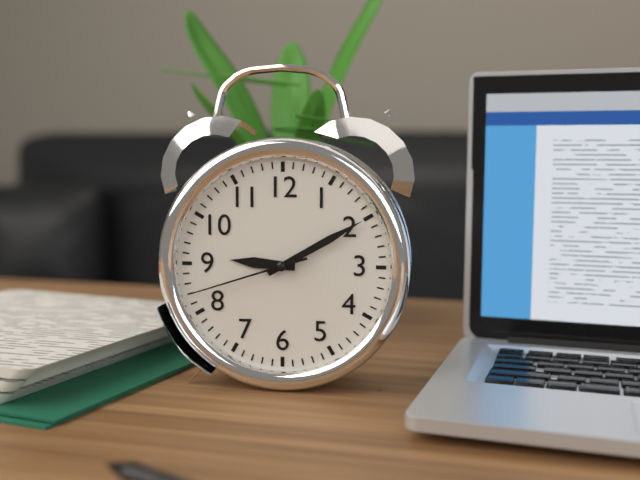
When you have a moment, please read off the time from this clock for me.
9:10:42
